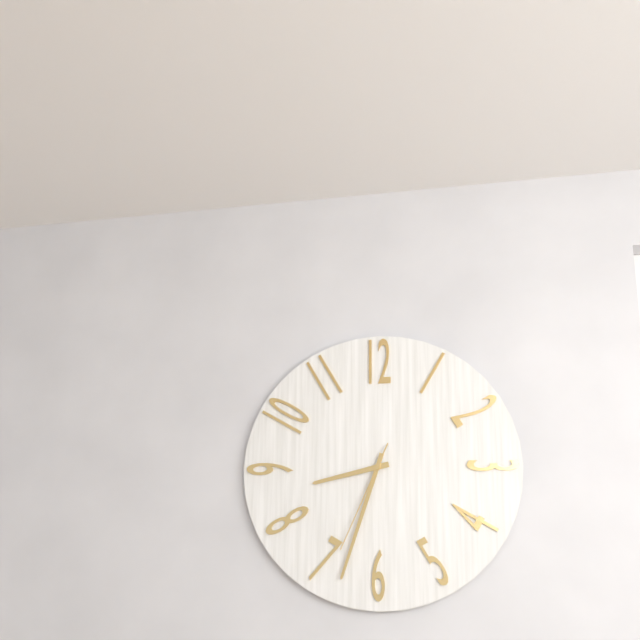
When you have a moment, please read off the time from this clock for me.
8:33:34
